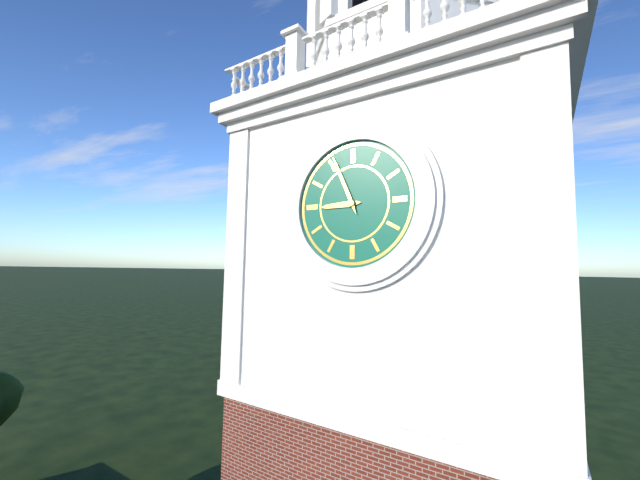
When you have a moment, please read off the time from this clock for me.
8:56
